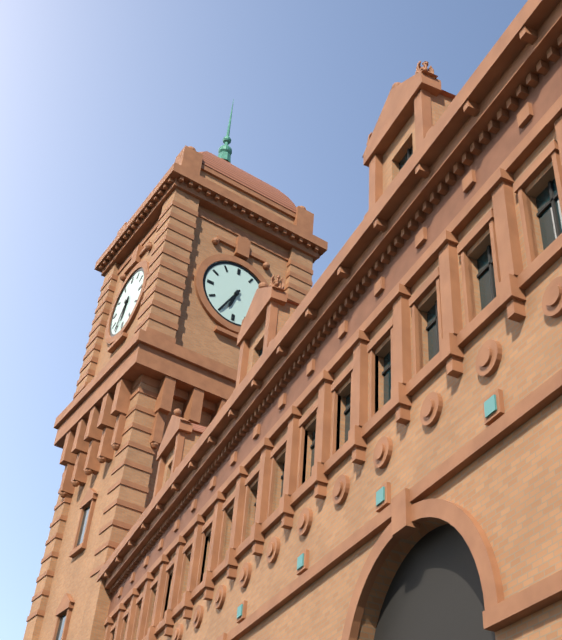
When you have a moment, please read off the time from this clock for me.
6:35
